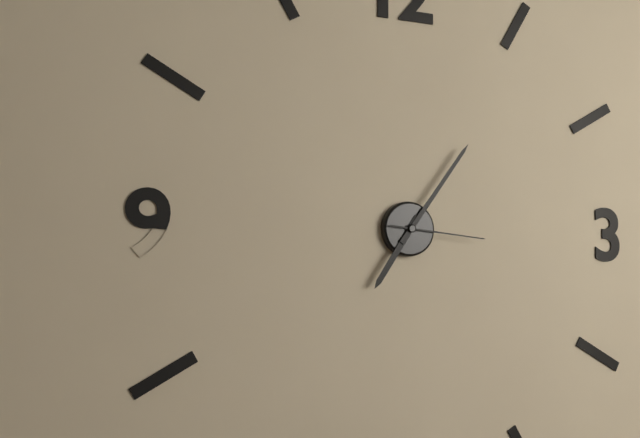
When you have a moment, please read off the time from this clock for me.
7:06:16
